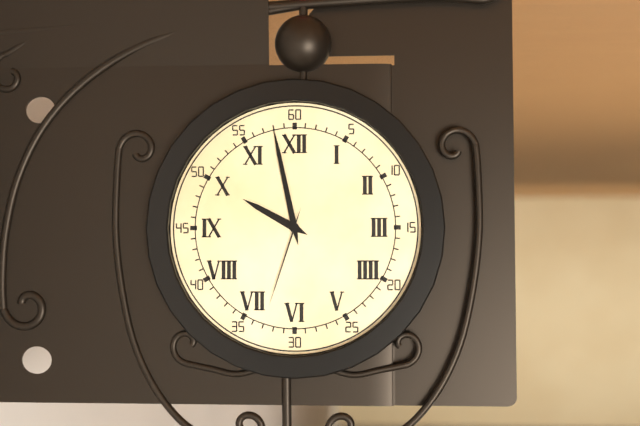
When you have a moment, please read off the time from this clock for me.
9:58:33
